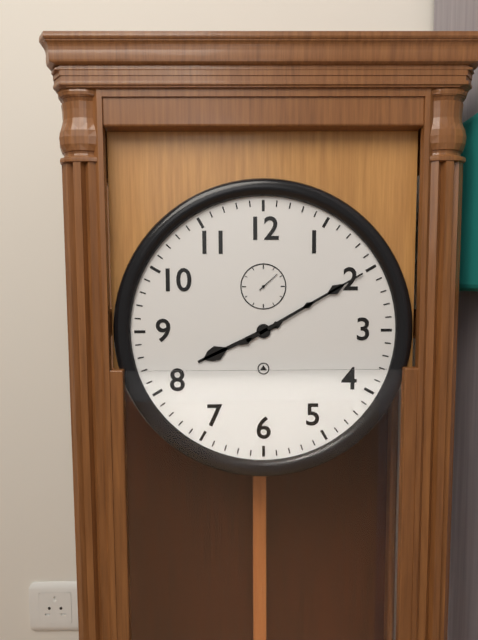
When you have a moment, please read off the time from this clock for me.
8:10
